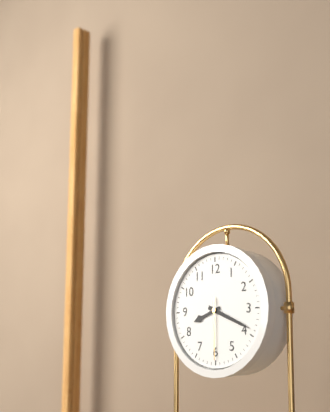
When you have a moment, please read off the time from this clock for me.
8:19:30
